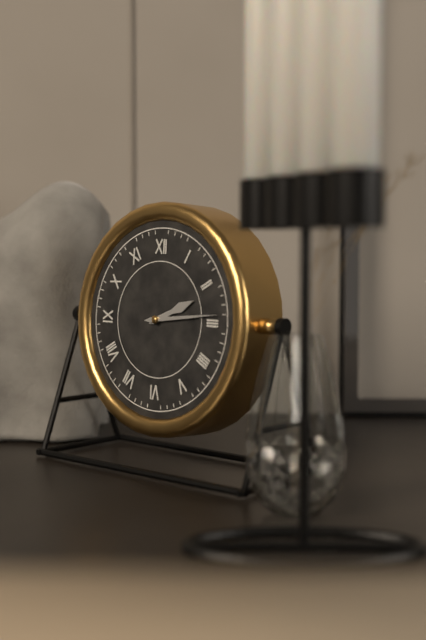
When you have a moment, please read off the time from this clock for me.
2:14
